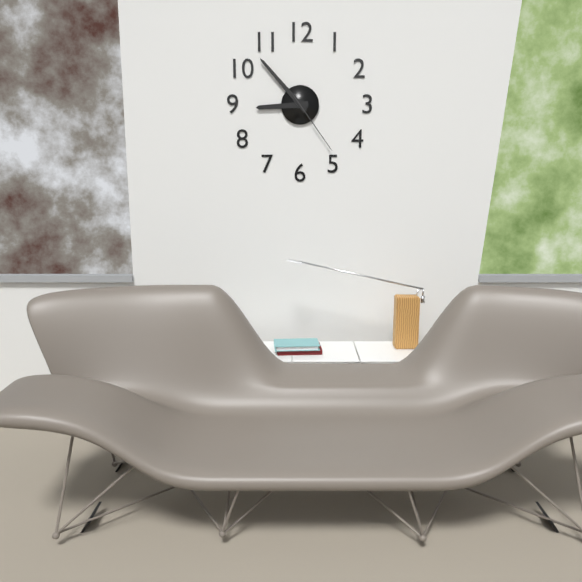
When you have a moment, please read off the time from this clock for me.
8:53:24
